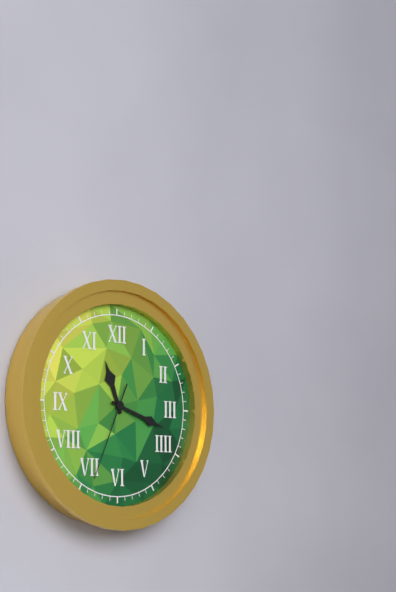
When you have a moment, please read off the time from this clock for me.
11:18:34
